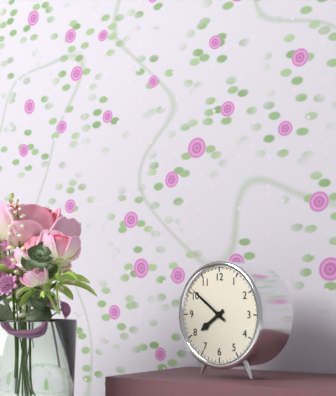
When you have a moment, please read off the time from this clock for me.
7:51
